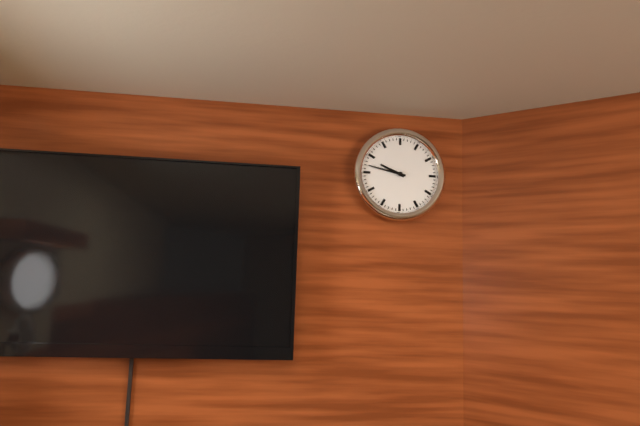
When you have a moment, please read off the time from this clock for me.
9:47
